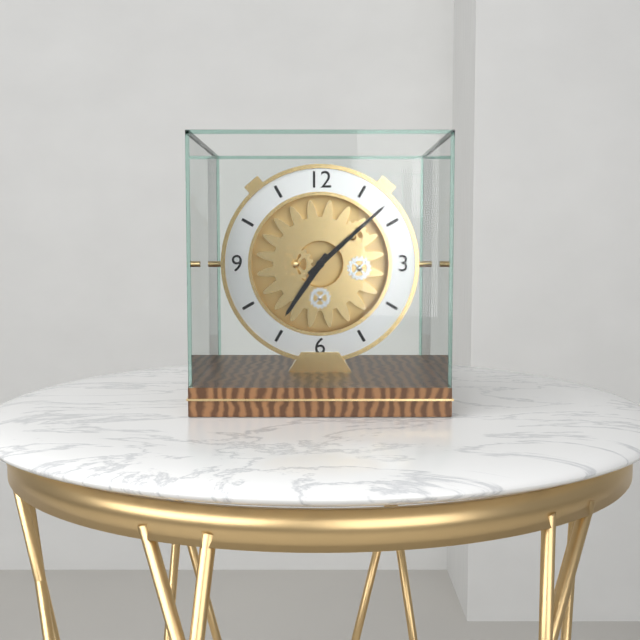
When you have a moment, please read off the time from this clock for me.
7:08
